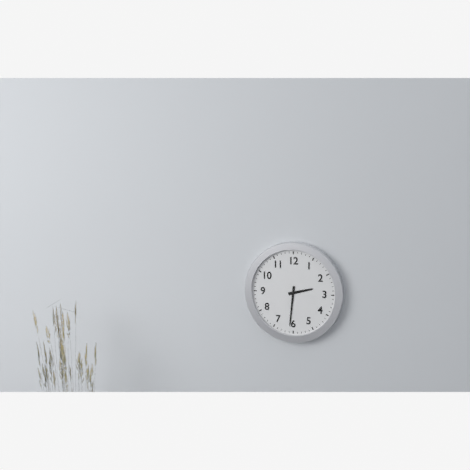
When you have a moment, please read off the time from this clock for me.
2:31
